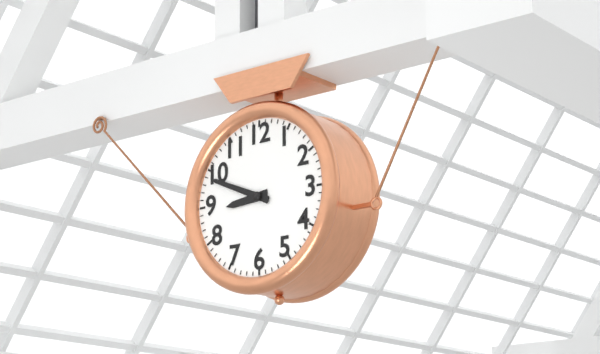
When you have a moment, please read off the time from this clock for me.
8:49
